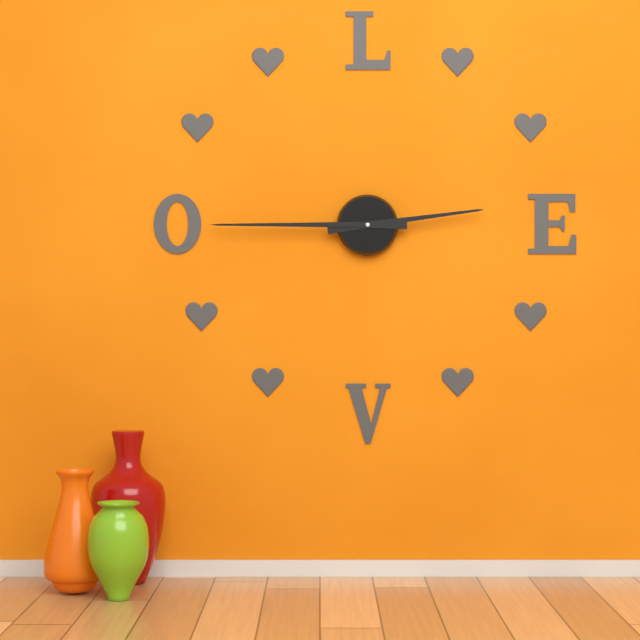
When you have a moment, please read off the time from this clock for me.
2:45
